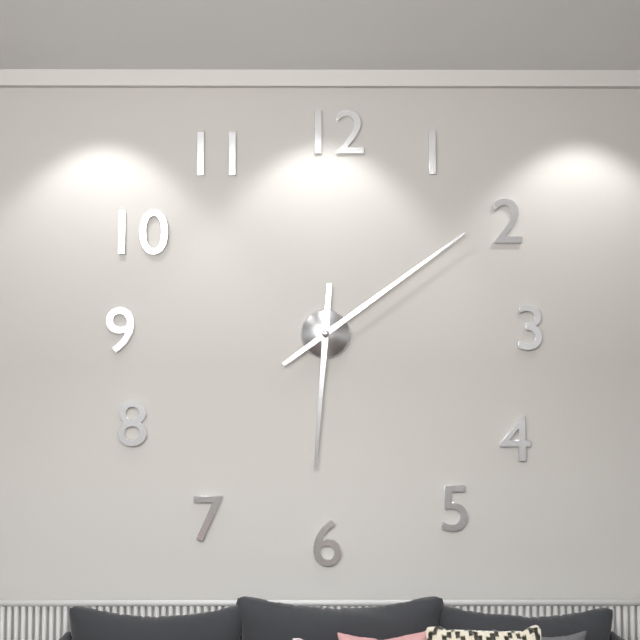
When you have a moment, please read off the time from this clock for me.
6:09
